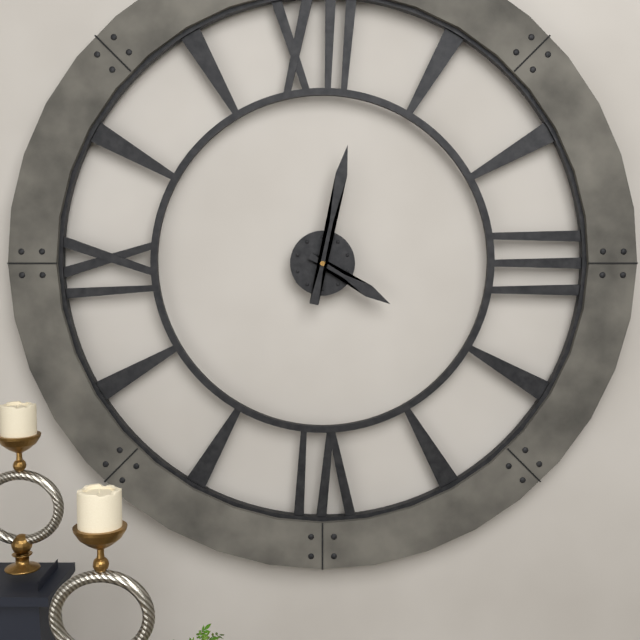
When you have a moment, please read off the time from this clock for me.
4:02
